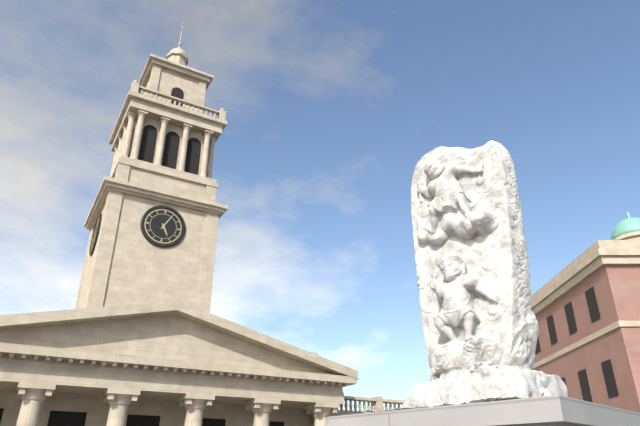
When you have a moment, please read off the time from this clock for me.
5:05
